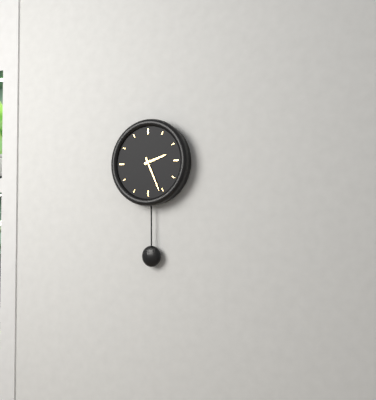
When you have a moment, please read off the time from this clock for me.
2:26
